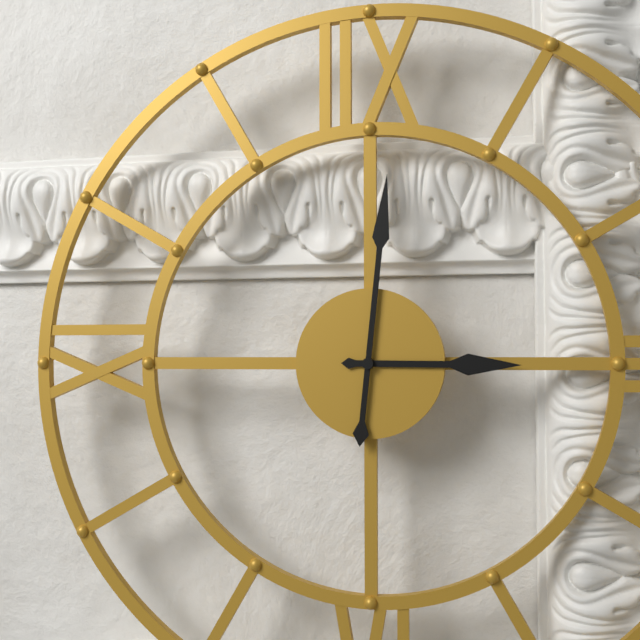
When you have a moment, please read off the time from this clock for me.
3:01
